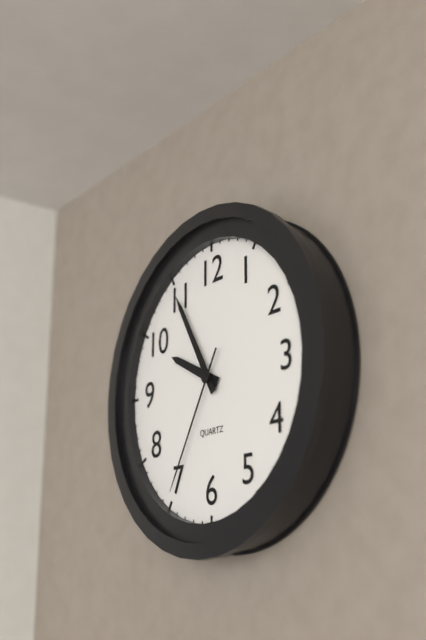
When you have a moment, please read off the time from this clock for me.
9:55:35
